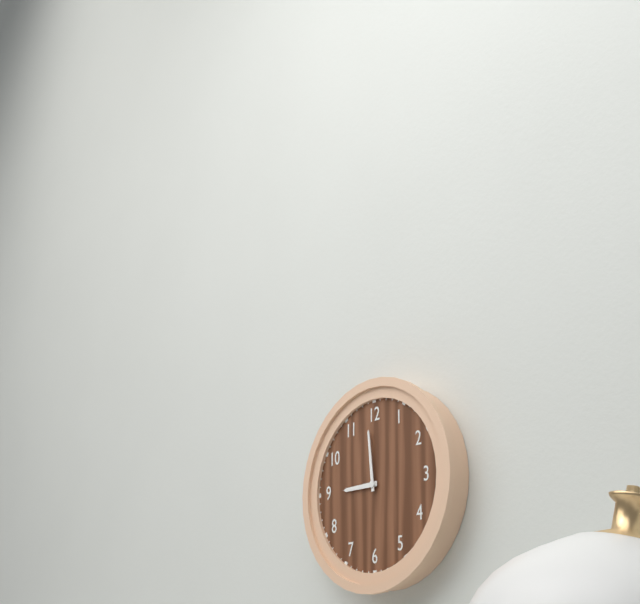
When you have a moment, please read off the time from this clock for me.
8:59
